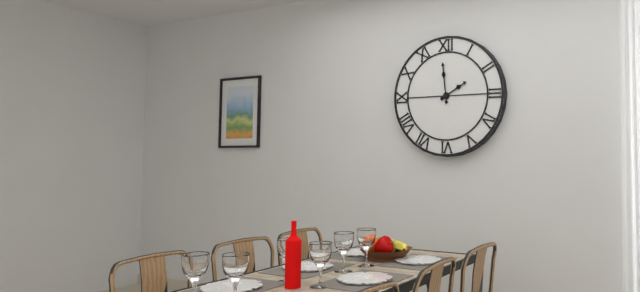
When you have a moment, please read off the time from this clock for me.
1:59
